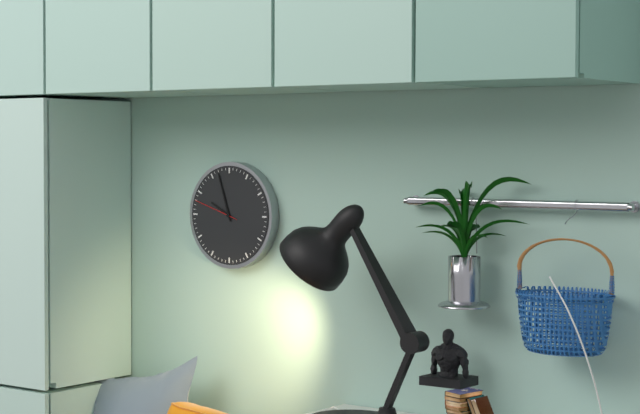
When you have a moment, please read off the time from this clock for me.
9:57
